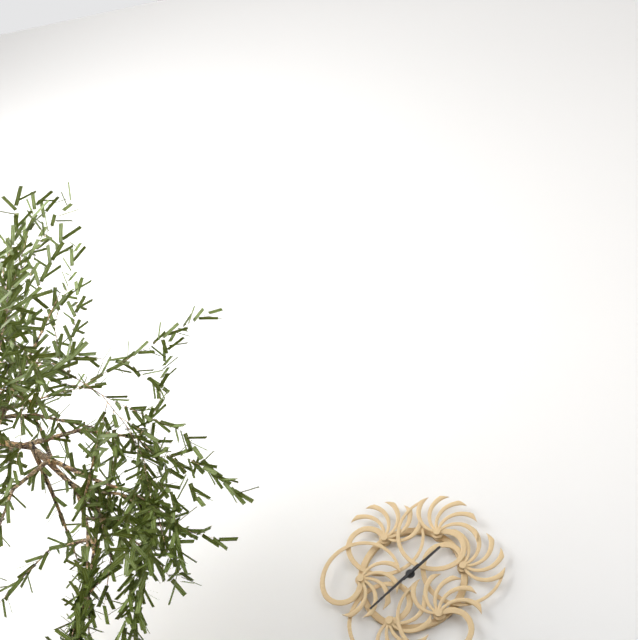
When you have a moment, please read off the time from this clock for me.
1:38
